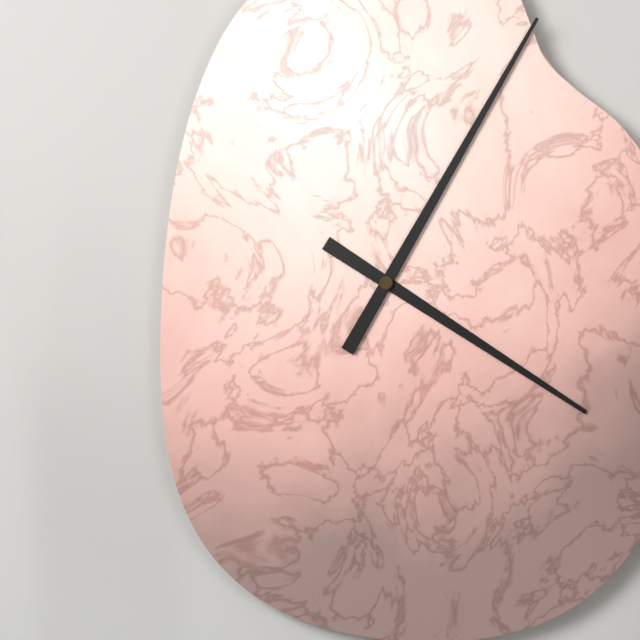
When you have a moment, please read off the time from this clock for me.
4:05
